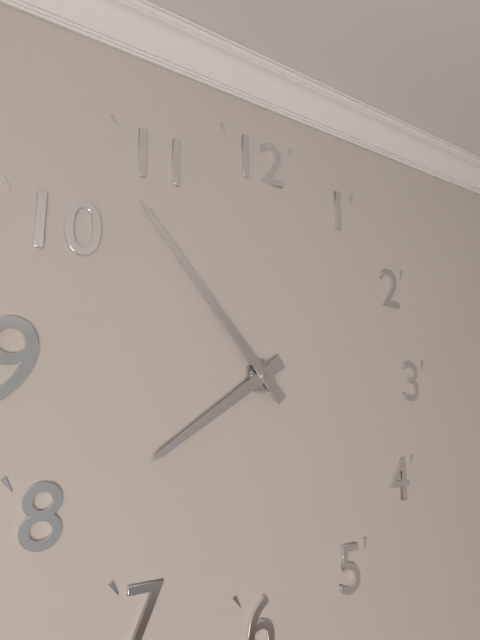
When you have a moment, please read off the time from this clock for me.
7:53
